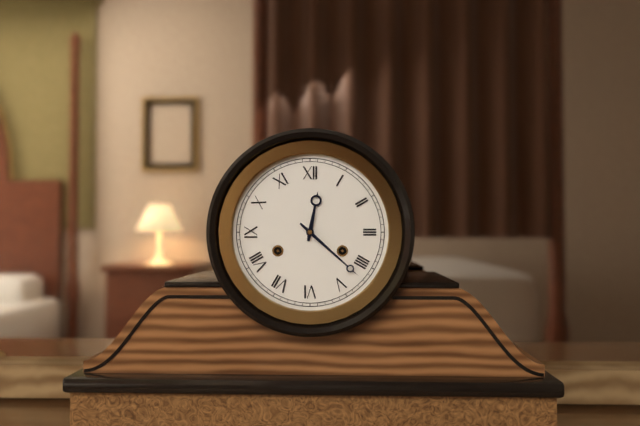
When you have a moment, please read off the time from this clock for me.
12:22
